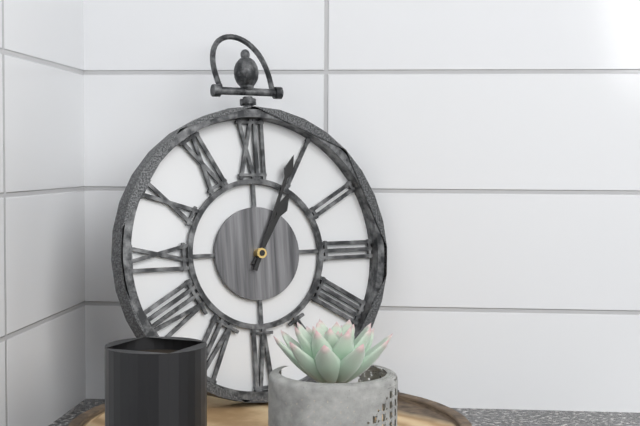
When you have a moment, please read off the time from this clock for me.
1:04
